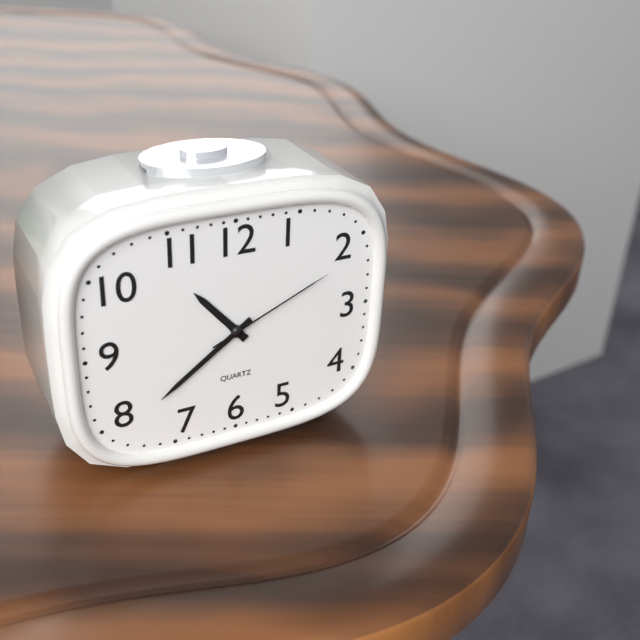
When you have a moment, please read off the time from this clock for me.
10:39:11
